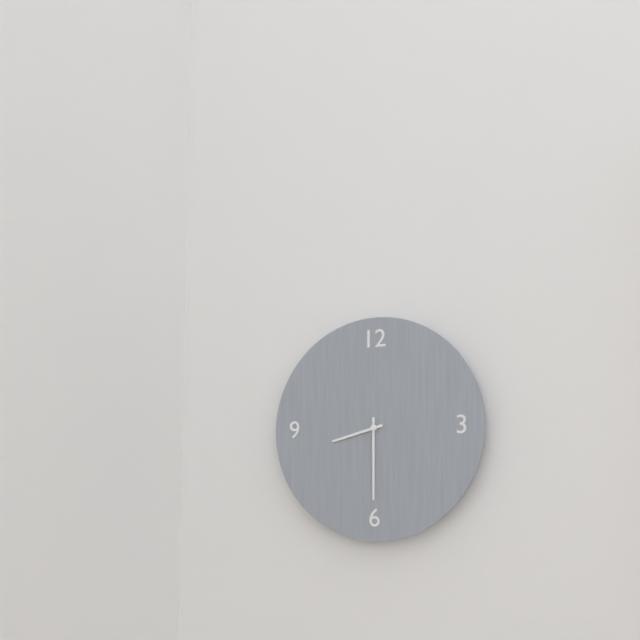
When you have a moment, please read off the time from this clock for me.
8:30
